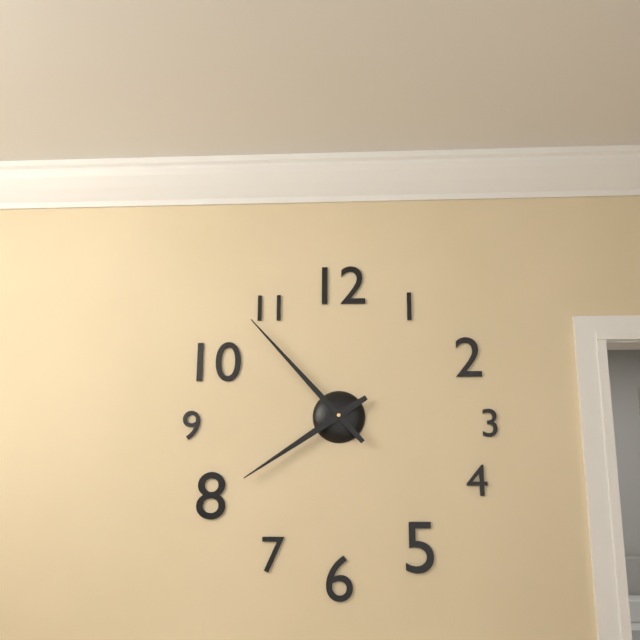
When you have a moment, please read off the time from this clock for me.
7:53
